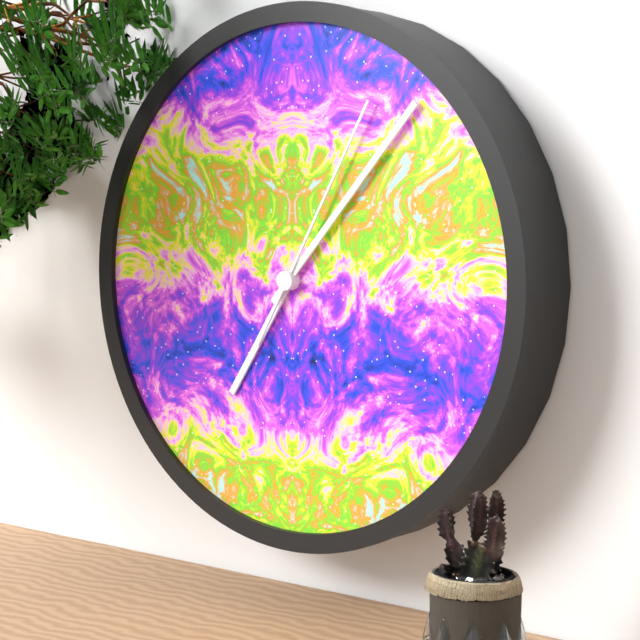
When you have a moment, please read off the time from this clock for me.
7:07:05
